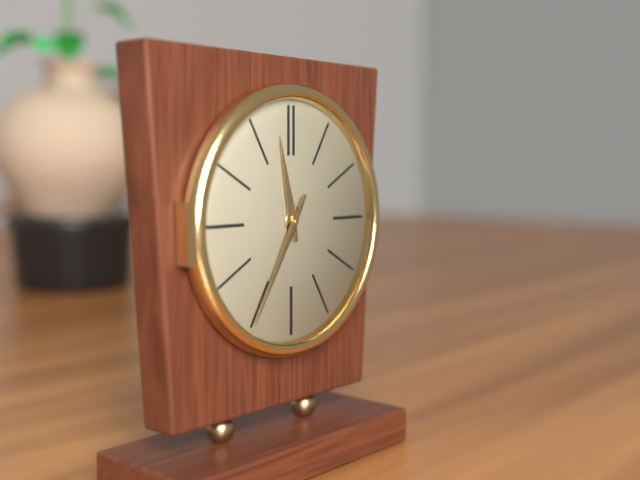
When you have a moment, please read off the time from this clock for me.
11:35
